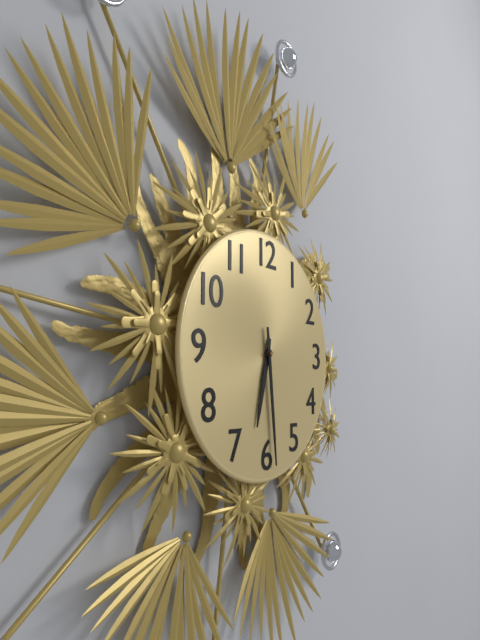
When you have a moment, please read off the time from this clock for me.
6:29
